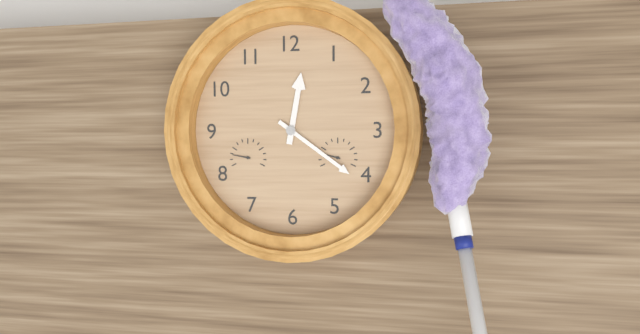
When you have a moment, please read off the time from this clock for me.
12:21
